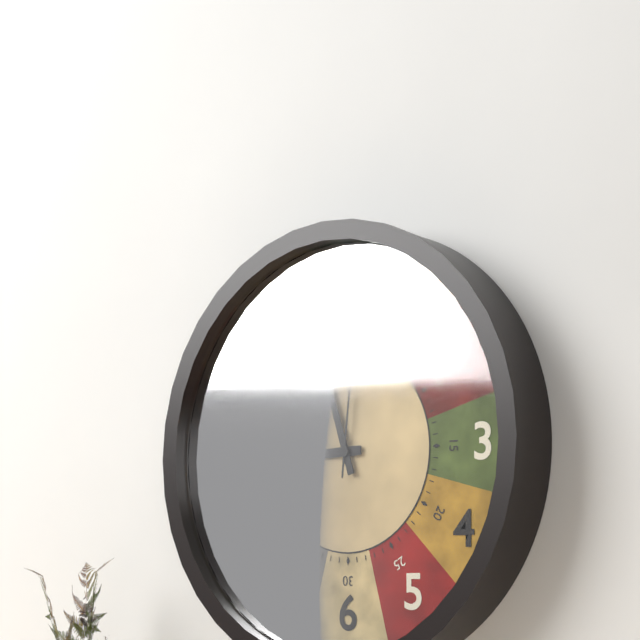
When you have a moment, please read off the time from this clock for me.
8:57:01
